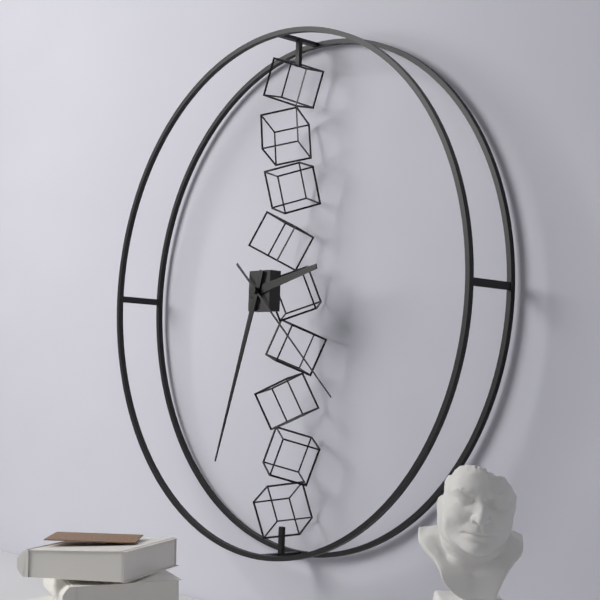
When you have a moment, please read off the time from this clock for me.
2:33:22
